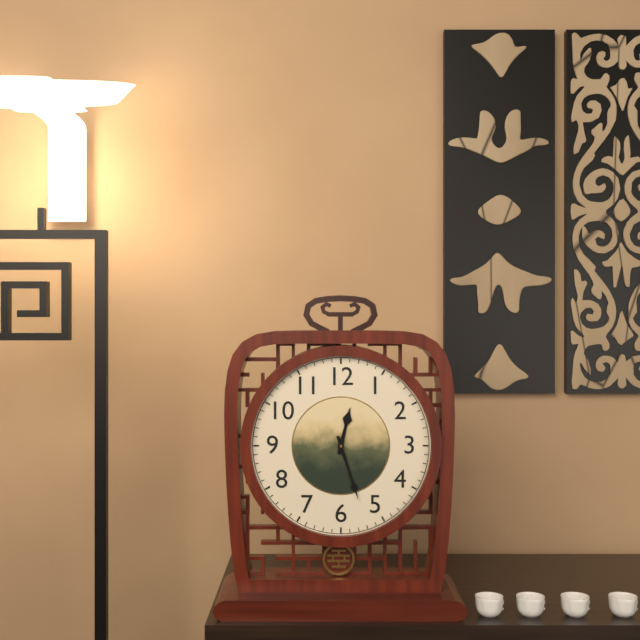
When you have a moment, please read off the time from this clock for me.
12:27
